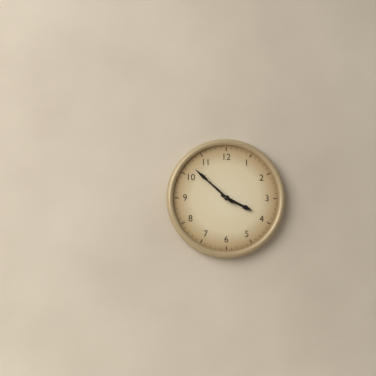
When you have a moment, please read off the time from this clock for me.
3:52
